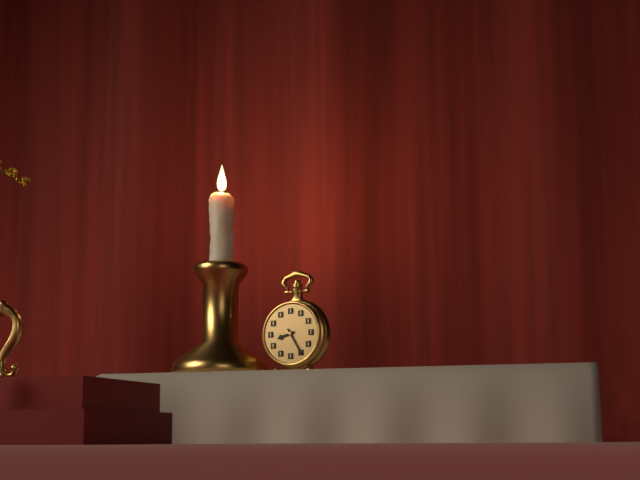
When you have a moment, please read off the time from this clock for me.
8:25
